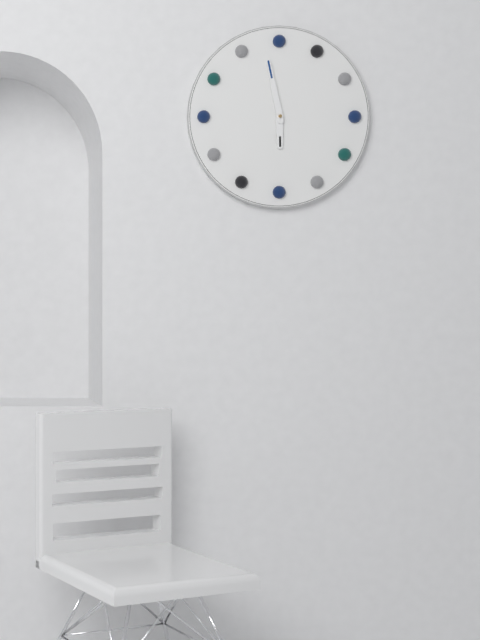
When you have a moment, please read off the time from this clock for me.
5:58
